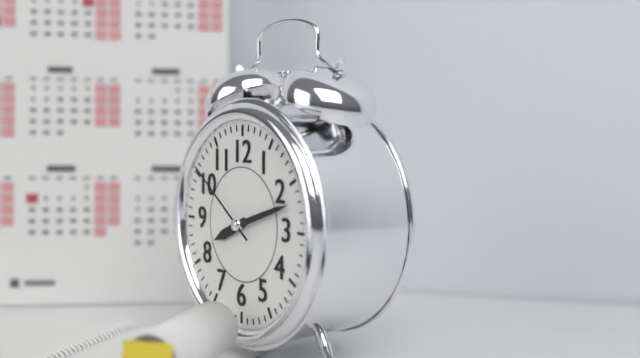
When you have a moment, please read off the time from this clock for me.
8:12:51
